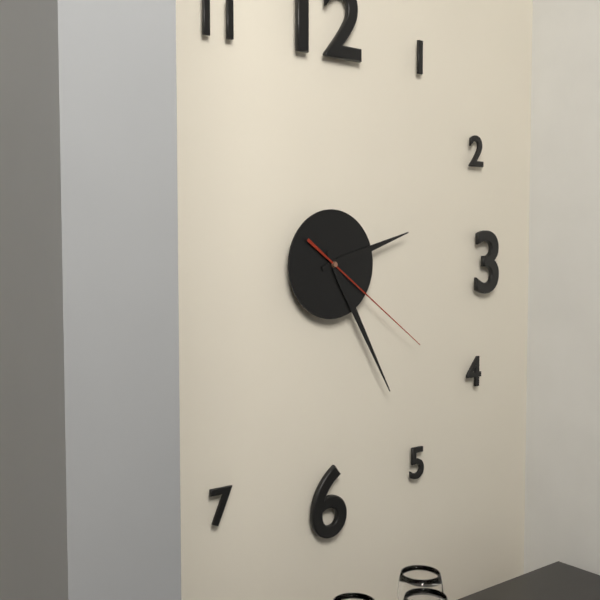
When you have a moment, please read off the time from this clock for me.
2:25:21
